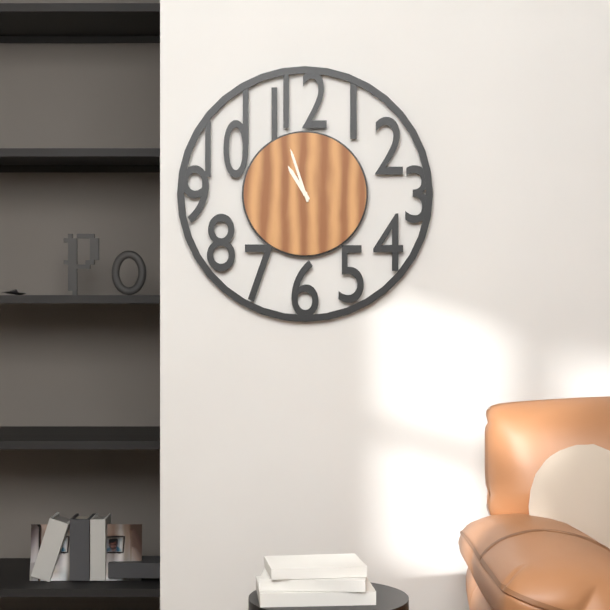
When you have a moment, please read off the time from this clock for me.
10:57
